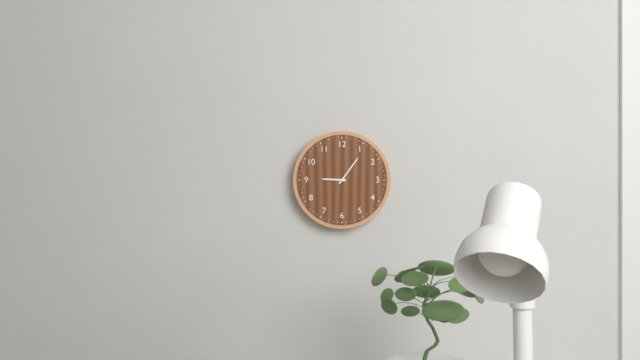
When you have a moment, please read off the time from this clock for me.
9:06
